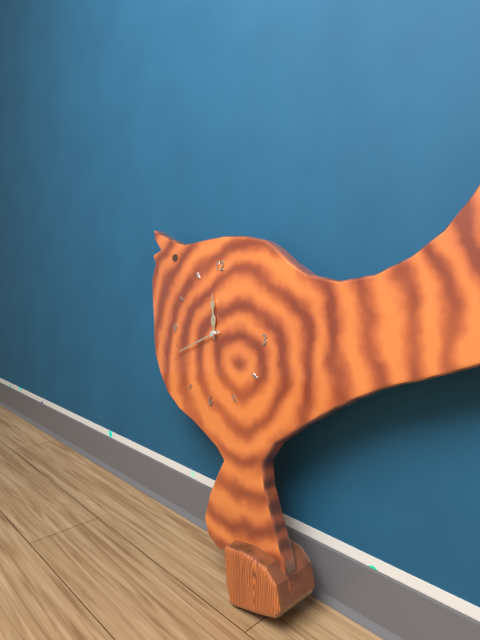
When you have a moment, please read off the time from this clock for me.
11:41
